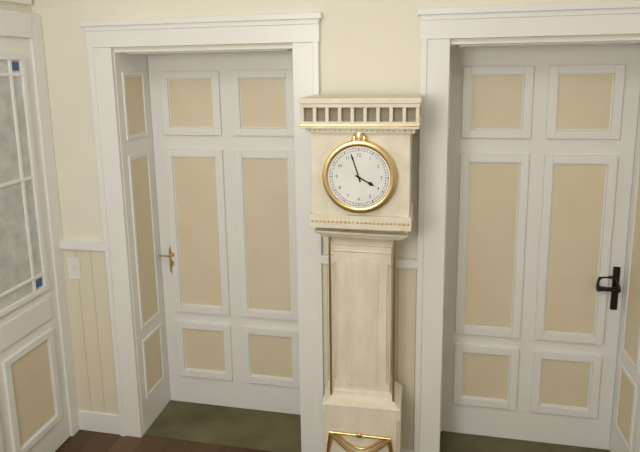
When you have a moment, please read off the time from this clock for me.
3:57
